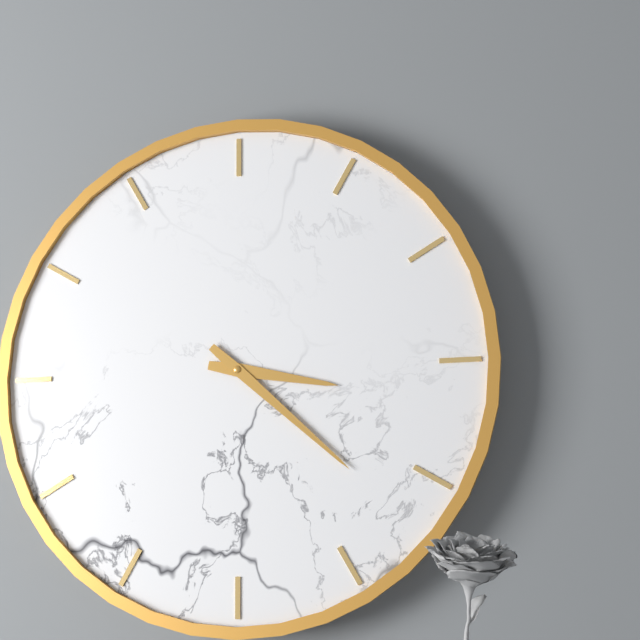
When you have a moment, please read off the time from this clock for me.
3:22
